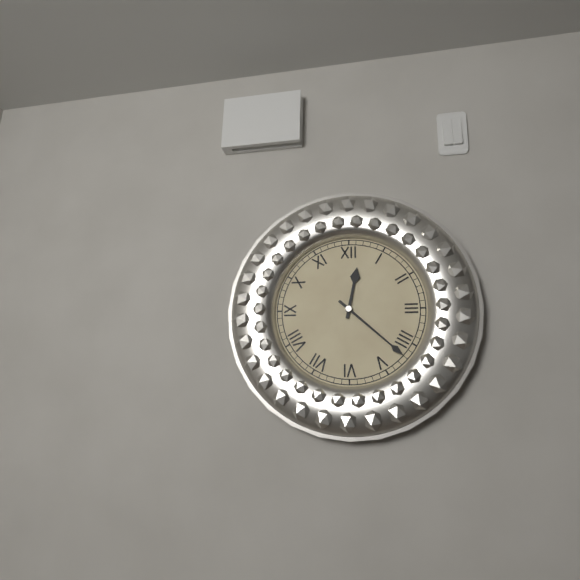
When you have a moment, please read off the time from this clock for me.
12:22
